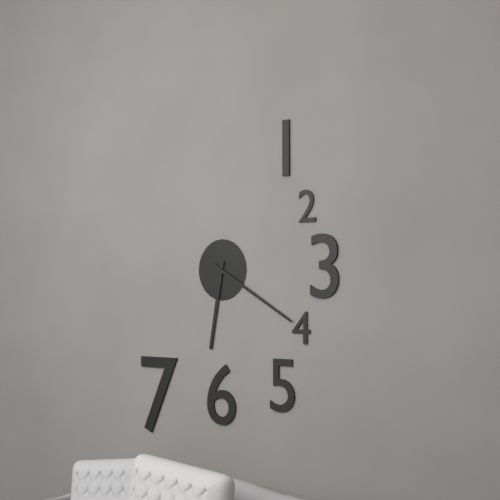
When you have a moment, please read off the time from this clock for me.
6:20
